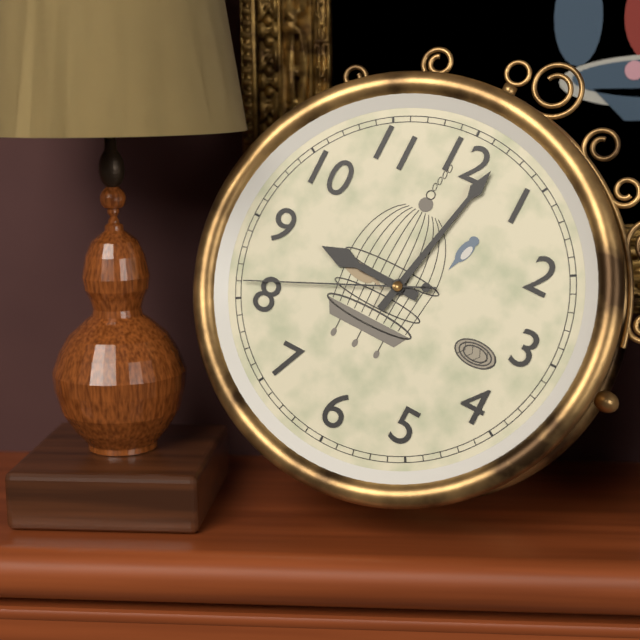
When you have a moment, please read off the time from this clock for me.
9:02:41
